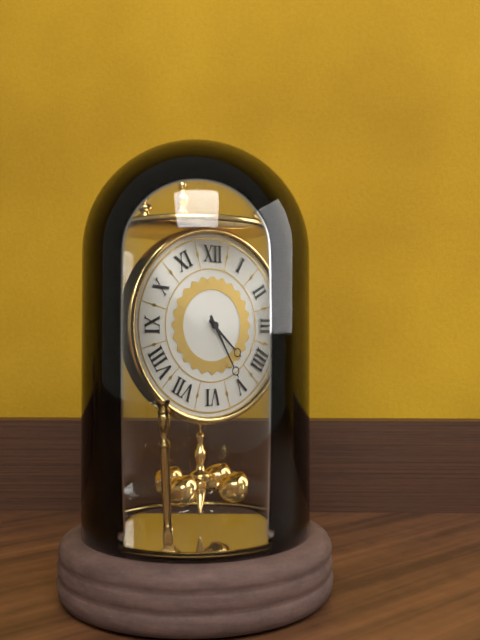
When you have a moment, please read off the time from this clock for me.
4:25
